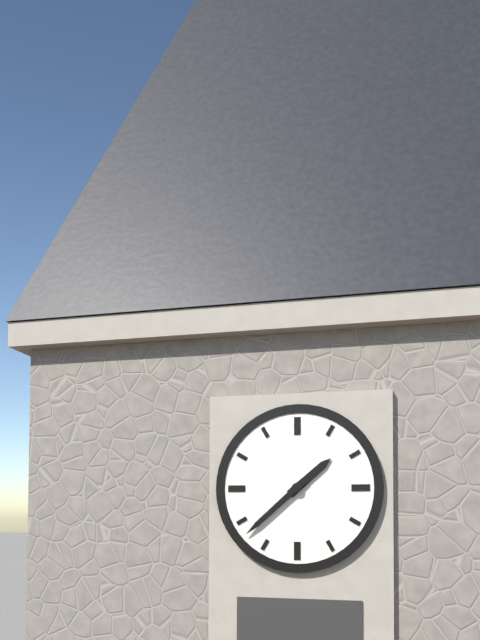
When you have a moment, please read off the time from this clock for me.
1:38
